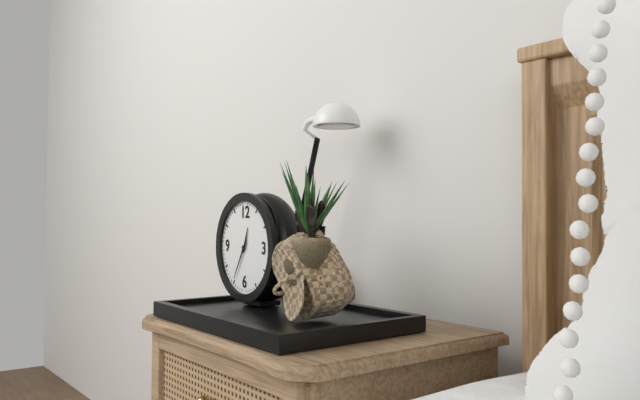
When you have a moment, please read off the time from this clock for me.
12:35
